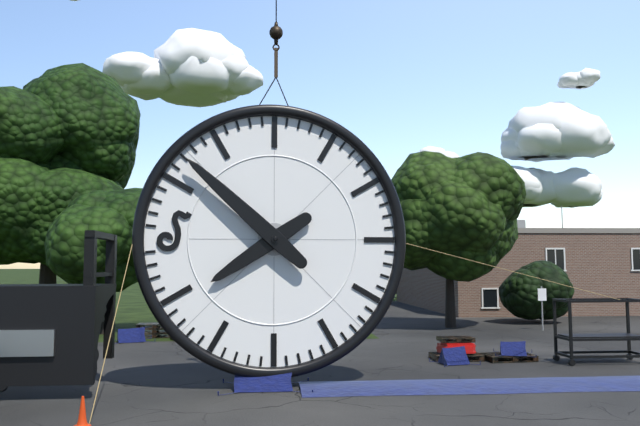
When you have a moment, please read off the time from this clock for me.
7:52
